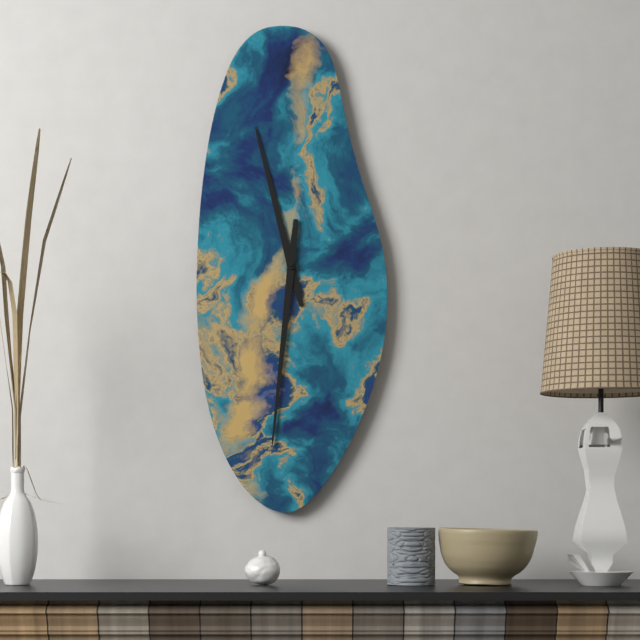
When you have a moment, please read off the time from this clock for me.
11:31
